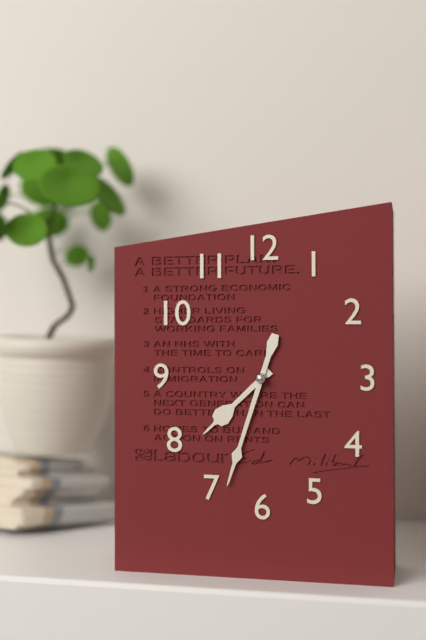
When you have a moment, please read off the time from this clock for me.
7:33
